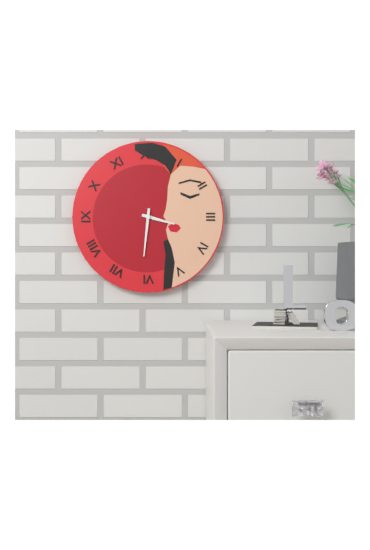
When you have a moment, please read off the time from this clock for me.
3:31
